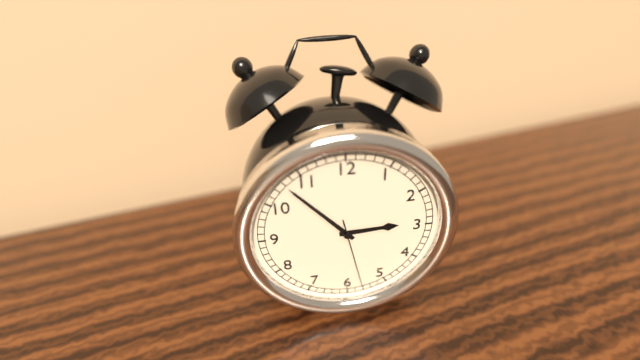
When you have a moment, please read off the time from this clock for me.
2:53:28
